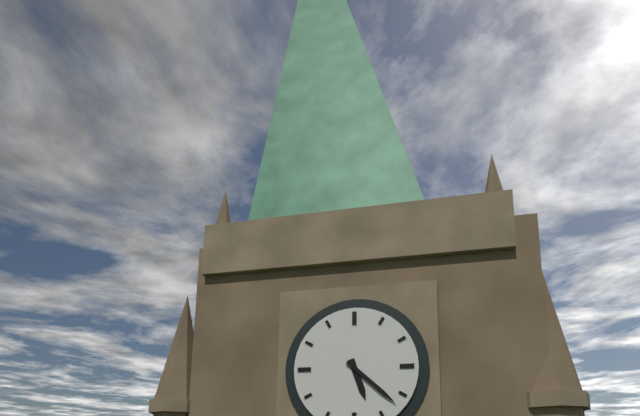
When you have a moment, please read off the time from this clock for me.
5:22
